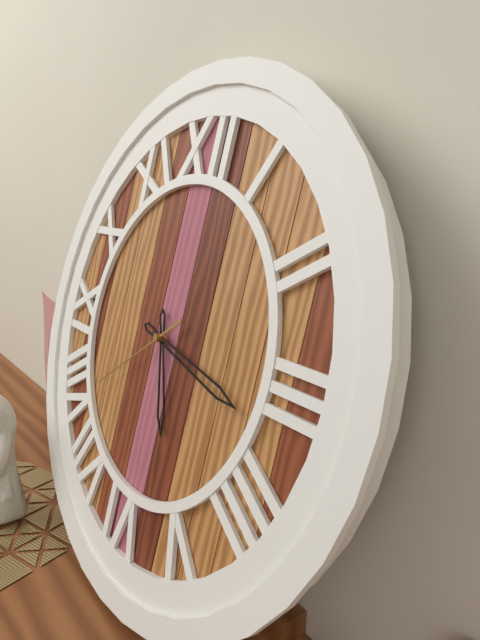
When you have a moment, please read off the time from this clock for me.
5:17:39
